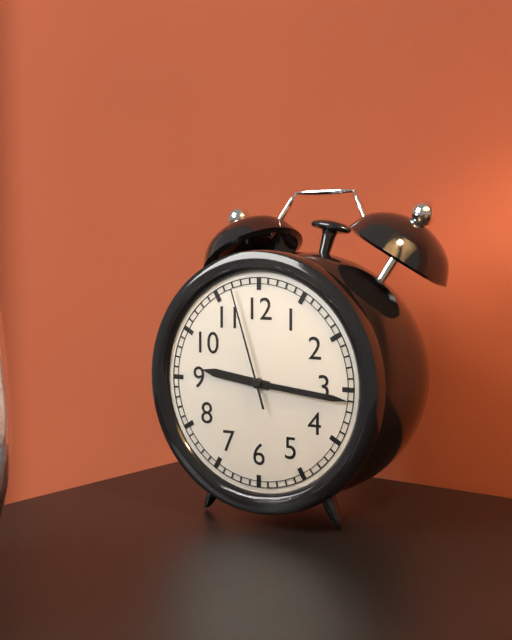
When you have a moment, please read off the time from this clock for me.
9:16:57
